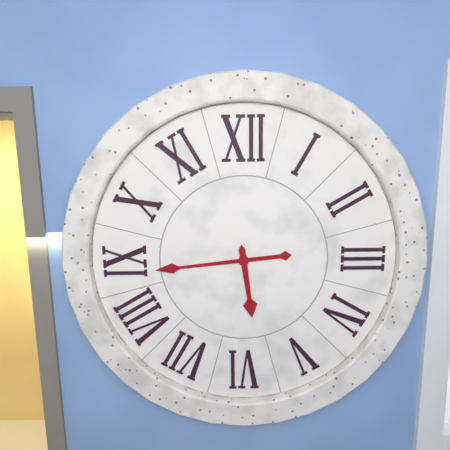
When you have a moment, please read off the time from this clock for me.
5:44
